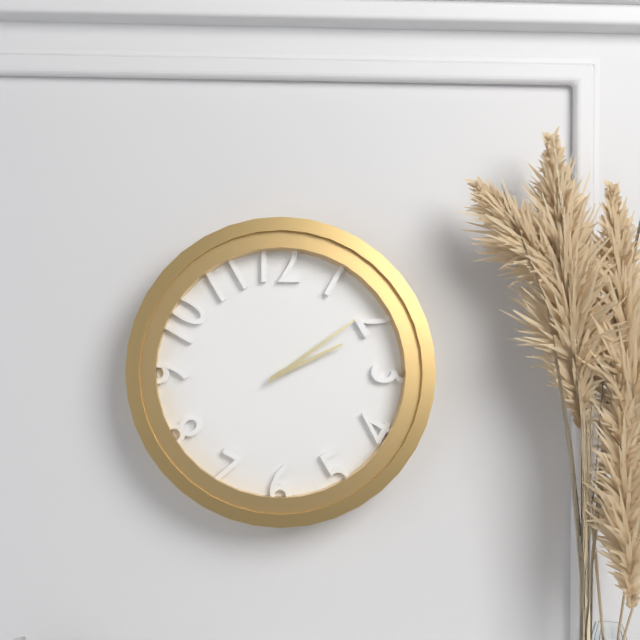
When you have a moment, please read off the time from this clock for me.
2:09
